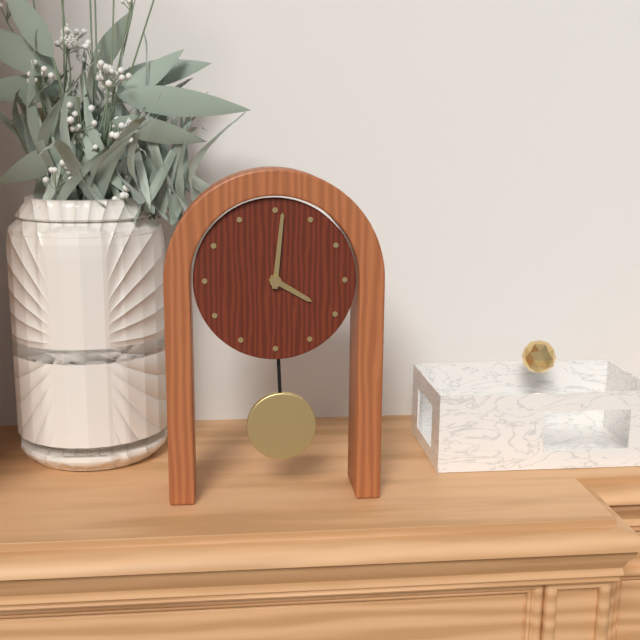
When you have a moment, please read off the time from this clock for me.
4:01
